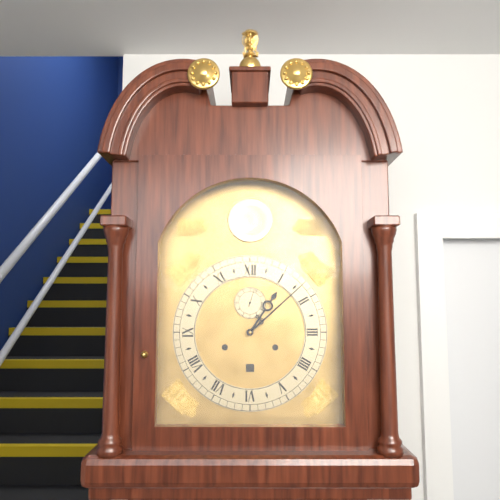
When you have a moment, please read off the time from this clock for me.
1:08
